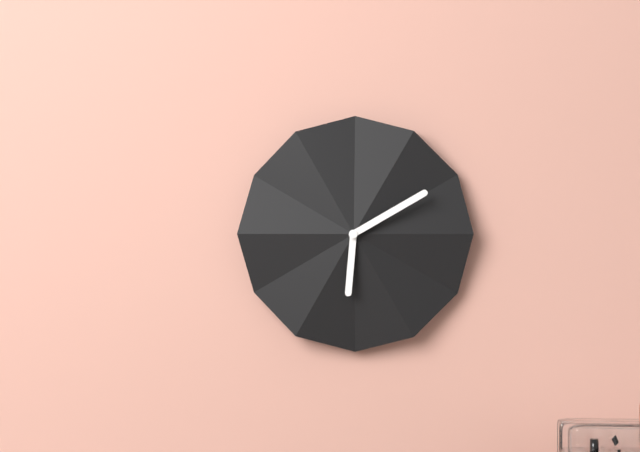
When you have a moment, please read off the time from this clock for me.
6:10
